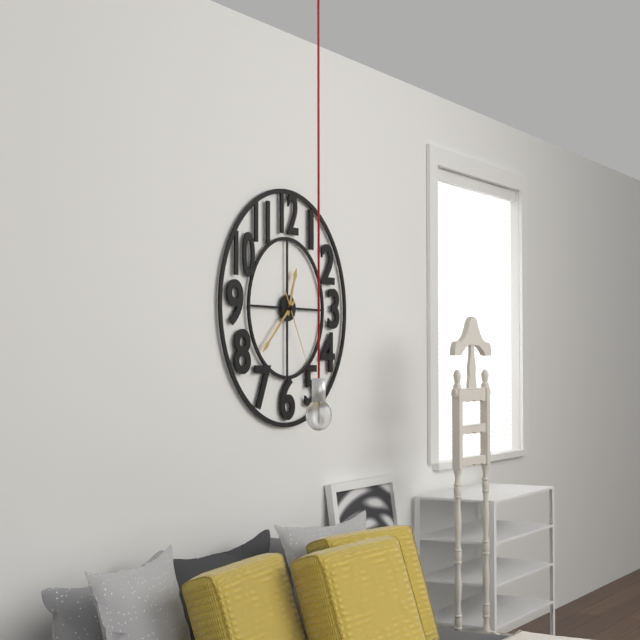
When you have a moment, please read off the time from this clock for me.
12:38:25
